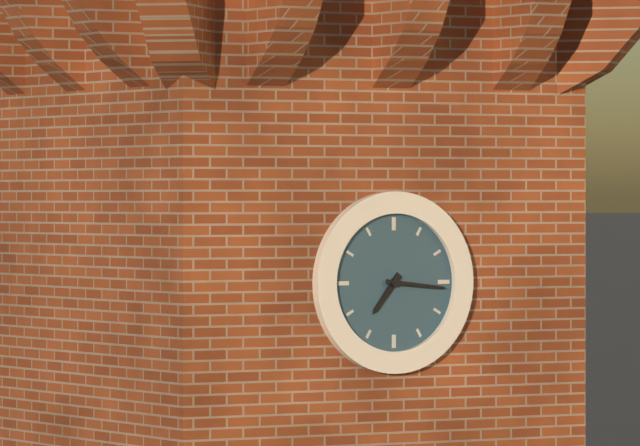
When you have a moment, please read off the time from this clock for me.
7:16
